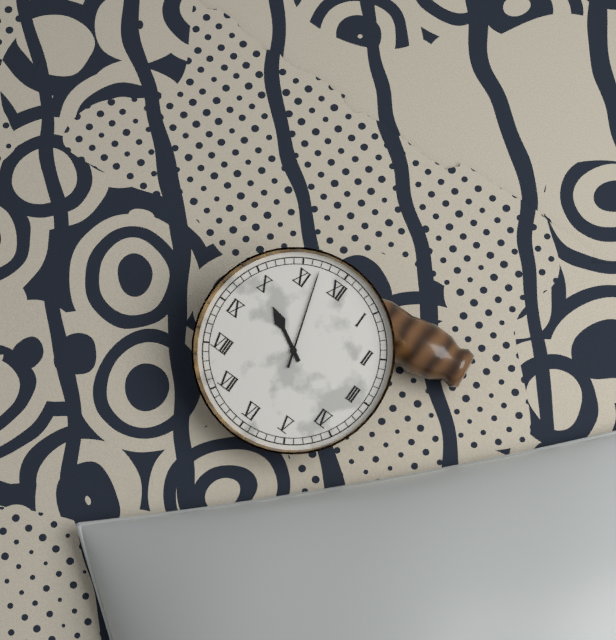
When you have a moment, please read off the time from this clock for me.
9:57
